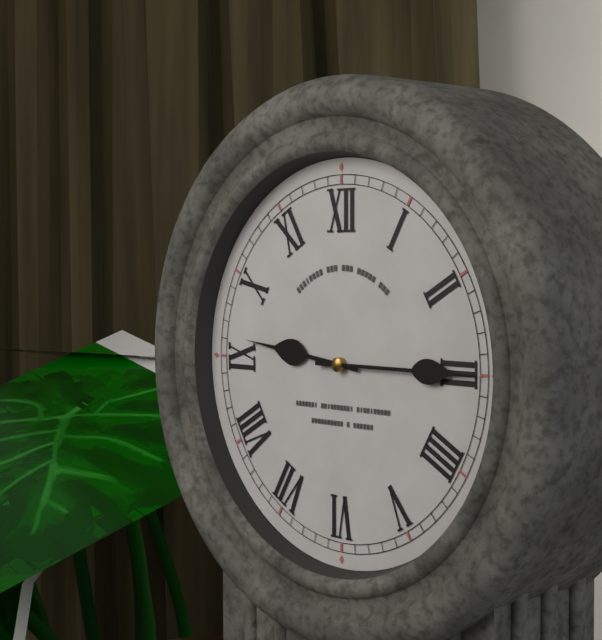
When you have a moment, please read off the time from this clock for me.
9:15
